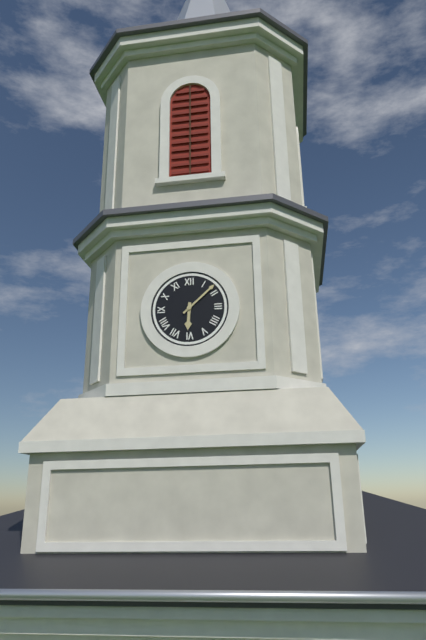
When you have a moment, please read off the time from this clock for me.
6:08
